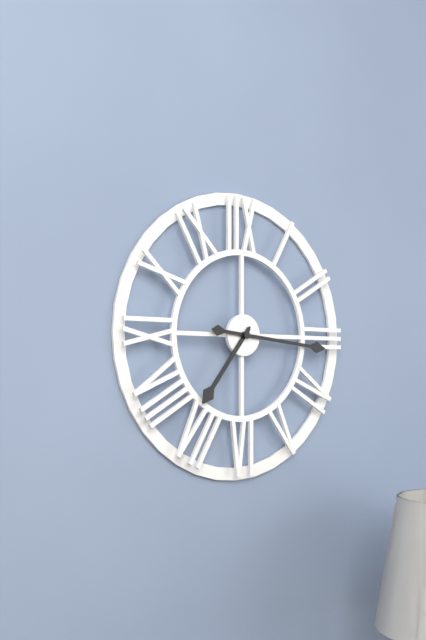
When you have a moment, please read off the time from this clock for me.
7:16
